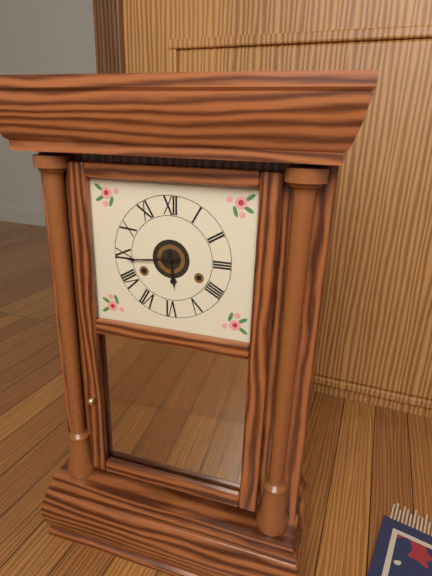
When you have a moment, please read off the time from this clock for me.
5:44
